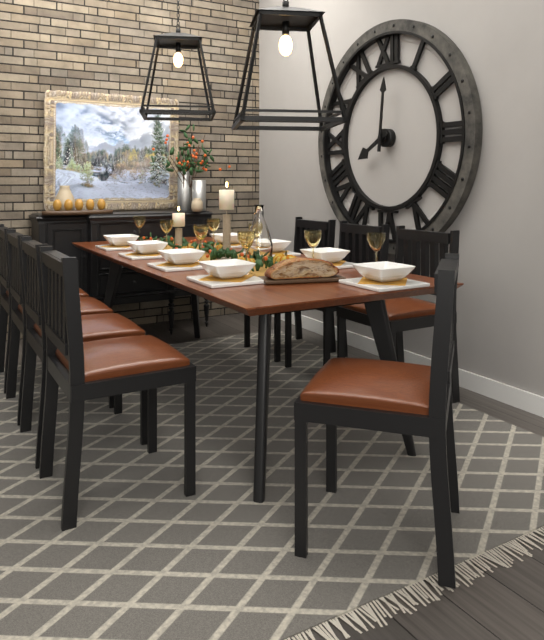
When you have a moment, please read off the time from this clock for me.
8:01
